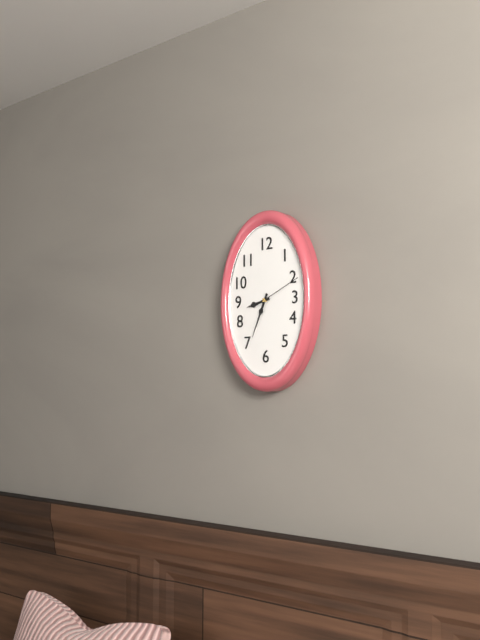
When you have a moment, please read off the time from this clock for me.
8:34:11
